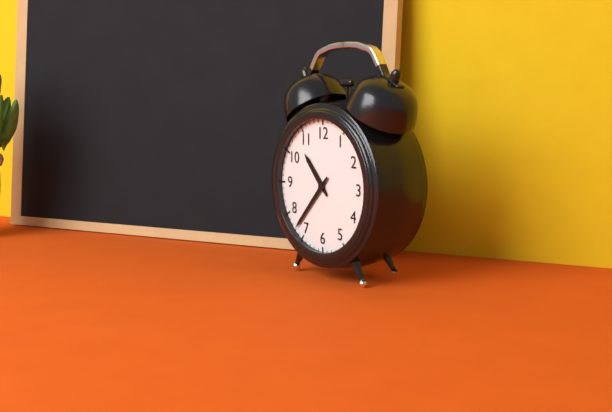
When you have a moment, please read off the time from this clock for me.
10:37
